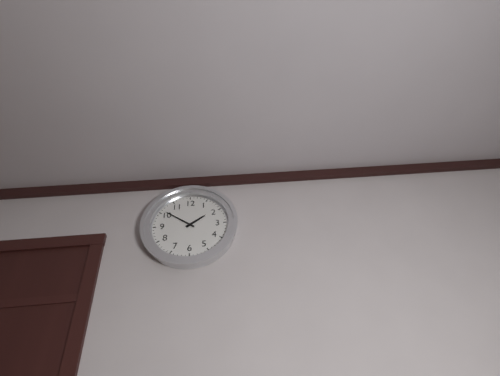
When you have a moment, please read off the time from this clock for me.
1:51
